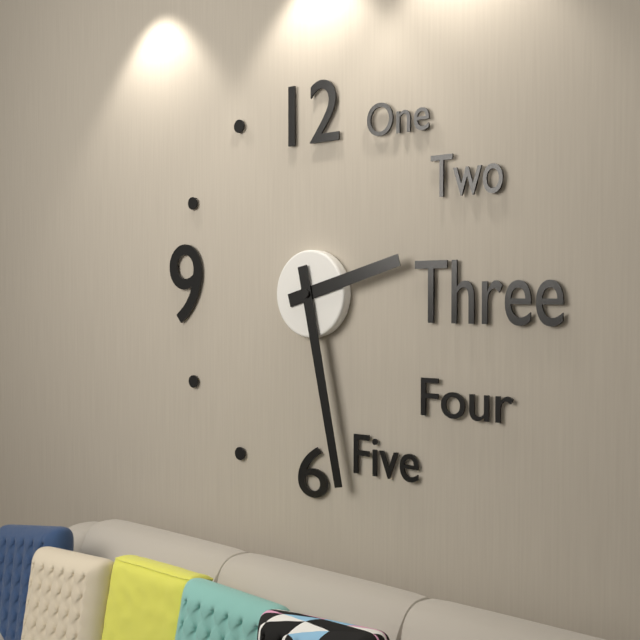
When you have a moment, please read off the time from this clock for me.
2:28
